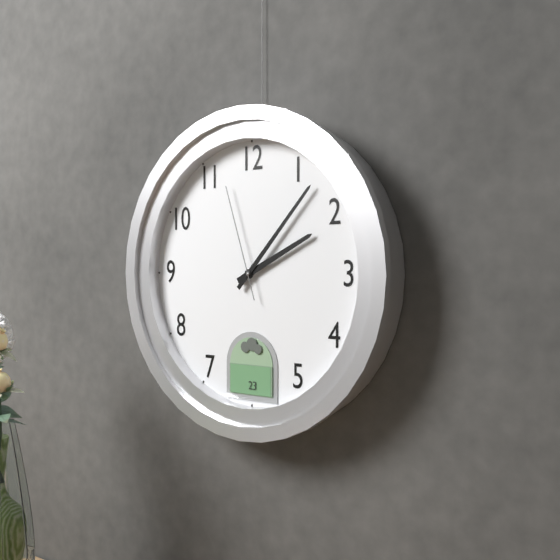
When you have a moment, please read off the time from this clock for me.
2:07:57
